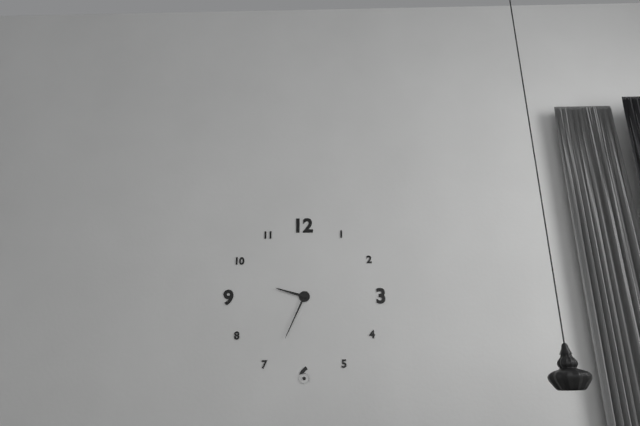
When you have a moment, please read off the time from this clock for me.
9:34
